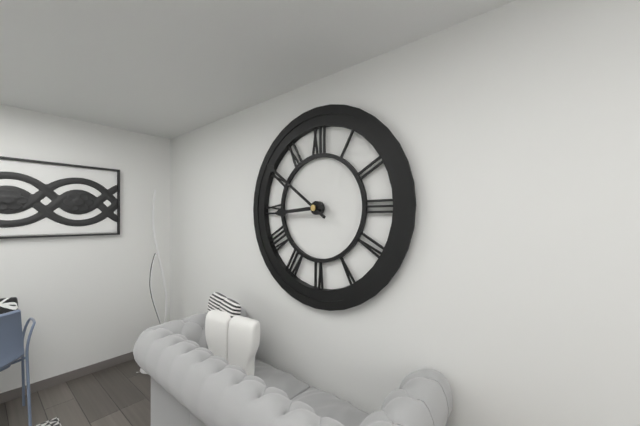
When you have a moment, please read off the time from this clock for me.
8:51
